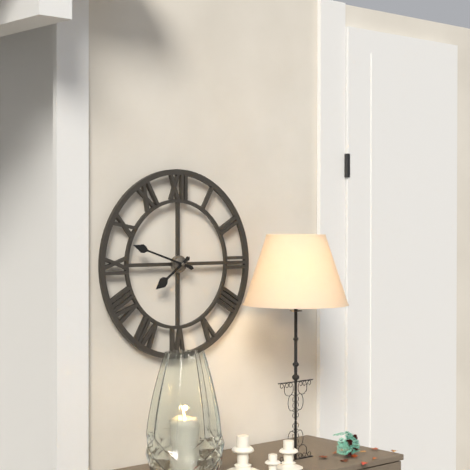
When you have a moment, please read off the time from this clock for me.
7:48
